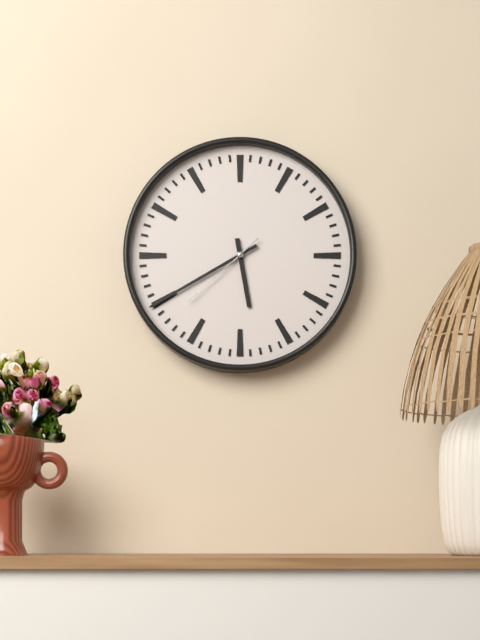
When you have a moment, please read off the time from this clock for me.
5:40:38
